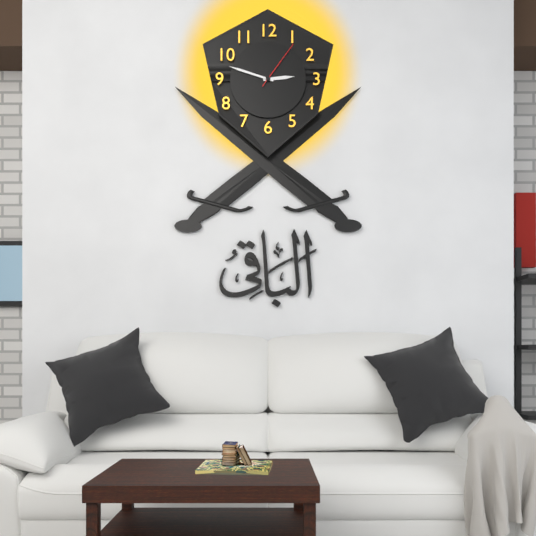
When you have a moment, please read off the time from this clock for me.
2:48:06
